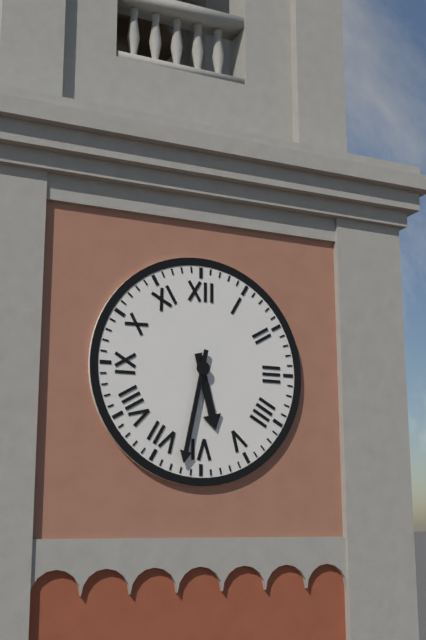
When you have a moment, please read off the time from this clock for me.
5:32
